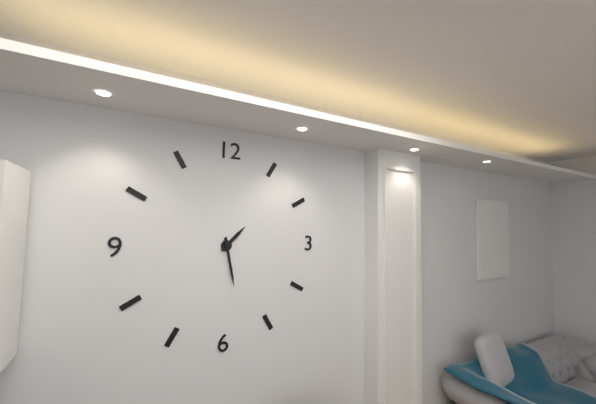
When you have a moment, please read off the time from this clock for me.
1:28
